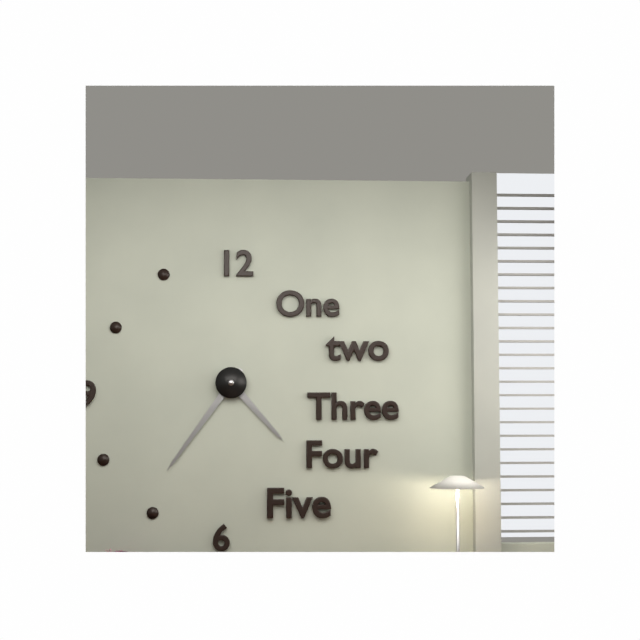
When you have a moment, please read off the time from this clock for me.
4:36
